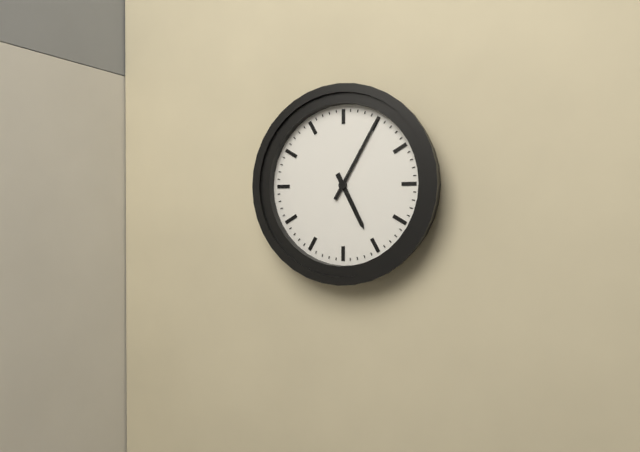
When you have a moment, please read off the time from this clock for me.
5:05
